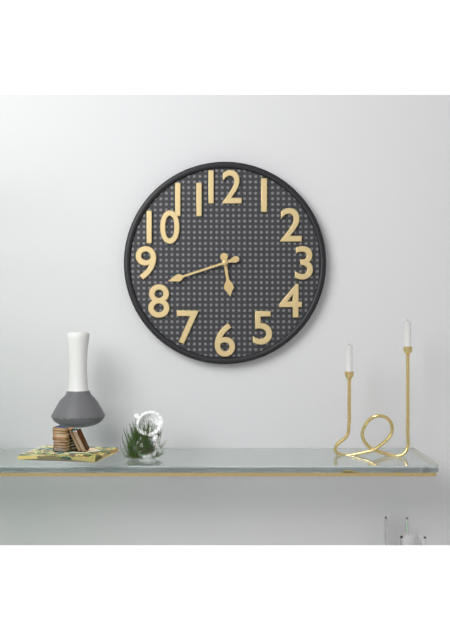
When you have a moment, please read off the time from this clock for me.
5:42
